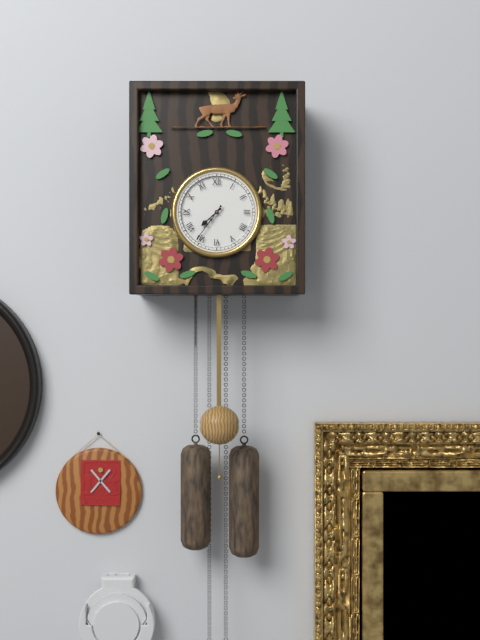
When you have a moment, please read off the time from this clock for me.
7:36
